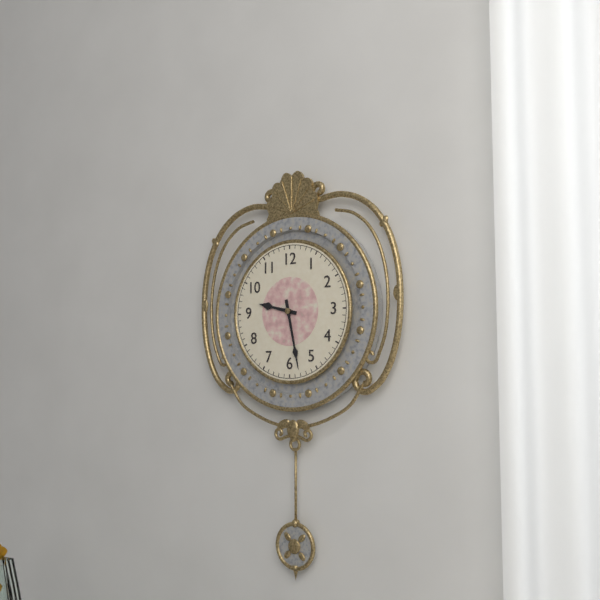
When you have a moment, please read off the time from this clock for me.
9:28
